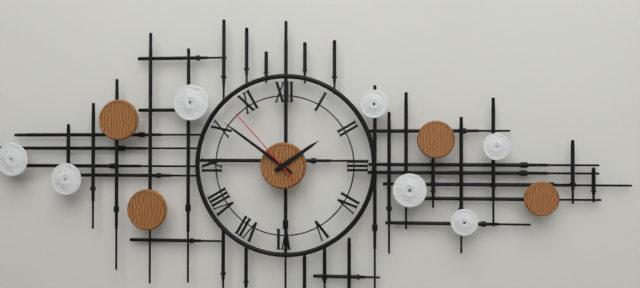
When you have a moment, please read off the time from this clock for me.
1:51:53
